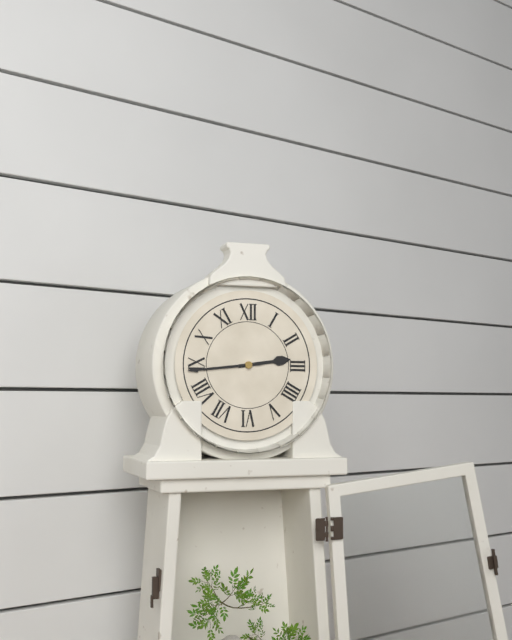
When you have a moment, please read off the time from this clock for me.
2:44
